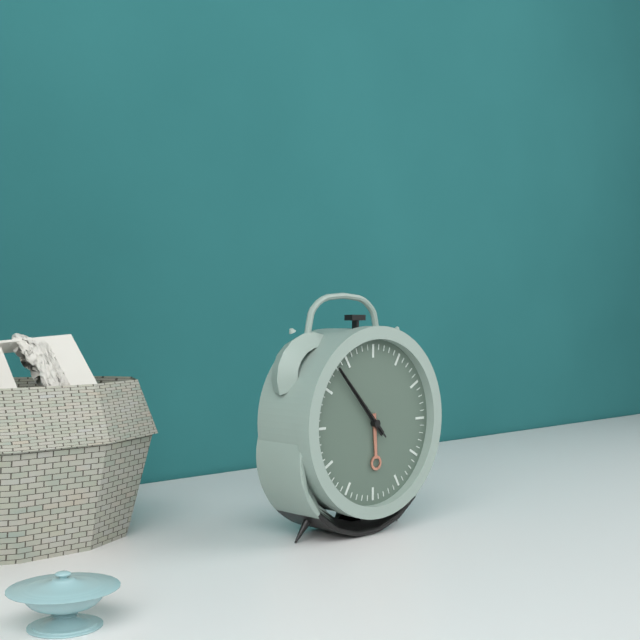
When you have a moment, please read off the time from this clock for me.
5:53:53
